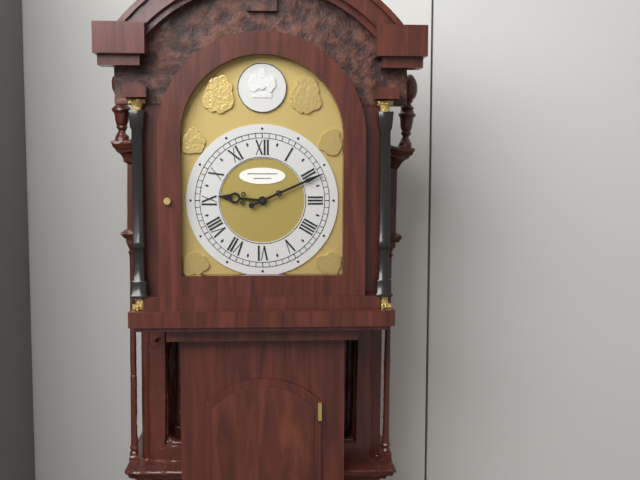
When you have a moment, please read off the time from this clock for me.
9:11
